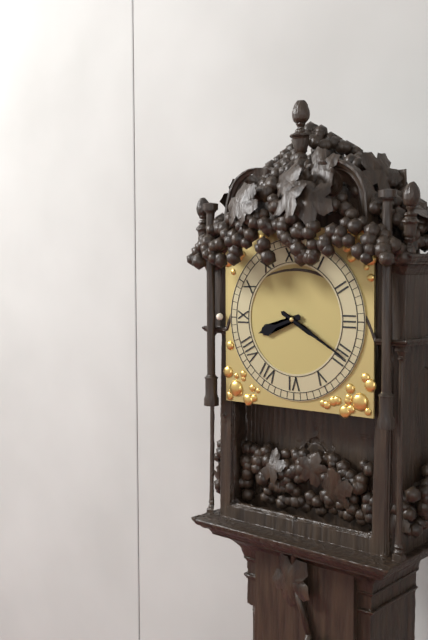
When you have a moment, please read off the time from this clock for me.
8:20
